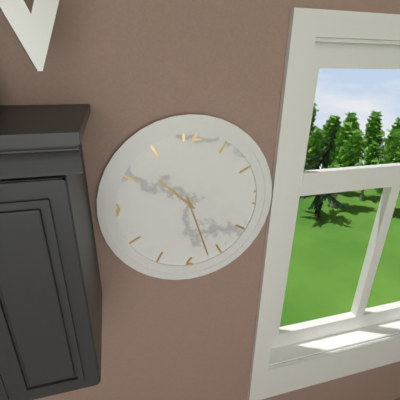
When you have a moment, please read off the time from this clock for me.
10:27
